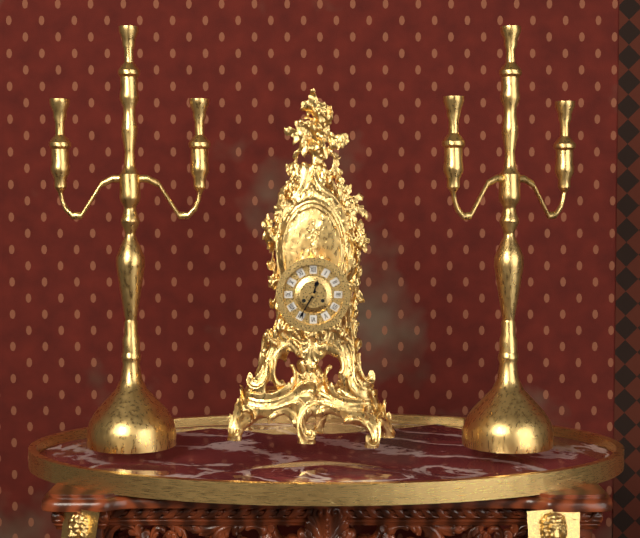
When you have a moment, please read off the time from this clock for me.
12:35
